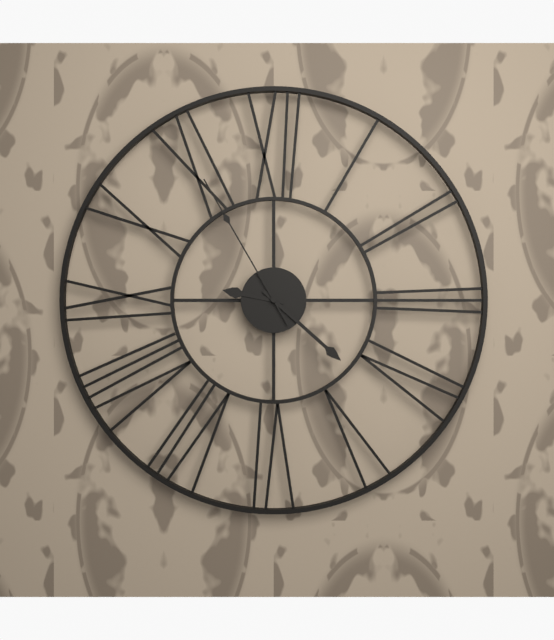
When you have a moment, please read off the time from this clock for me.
9:22:55
